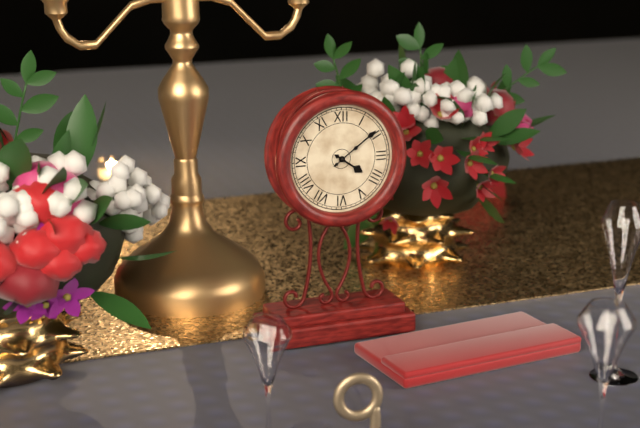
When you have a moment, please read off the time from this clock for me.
4:09
